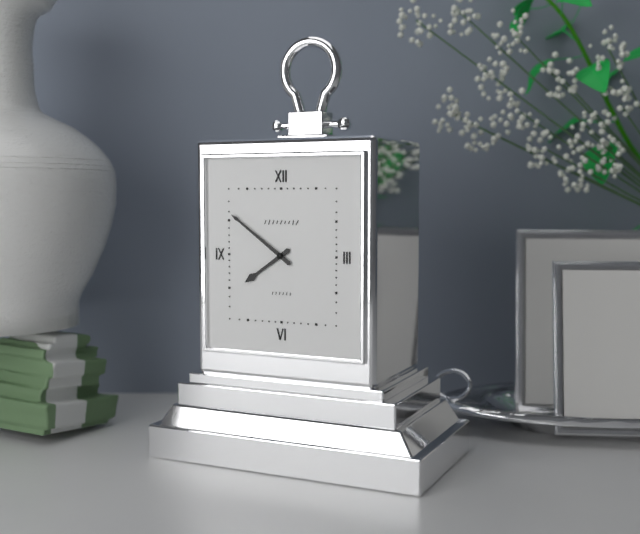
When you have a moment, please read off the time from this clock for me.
7:51
